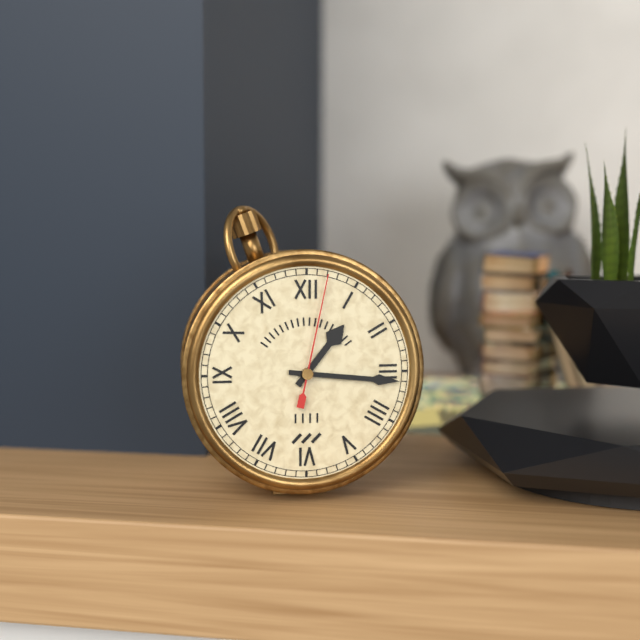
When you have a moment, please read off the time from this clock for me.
1:16:02
